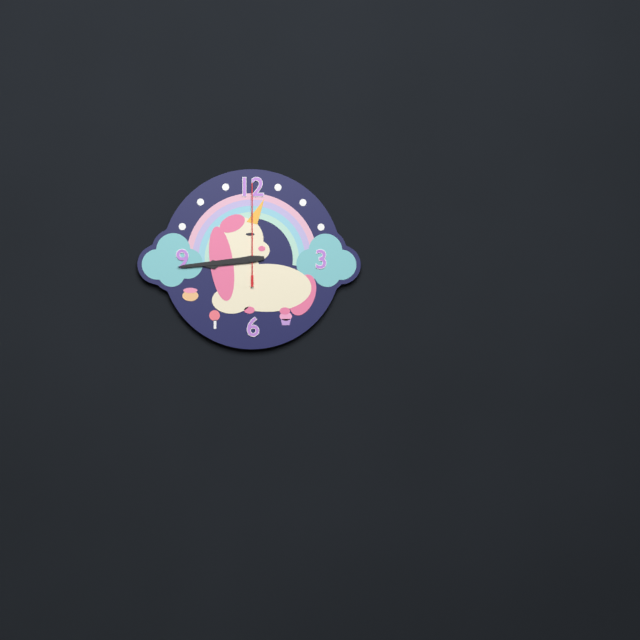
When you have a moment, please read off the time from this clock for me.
8:44:00
